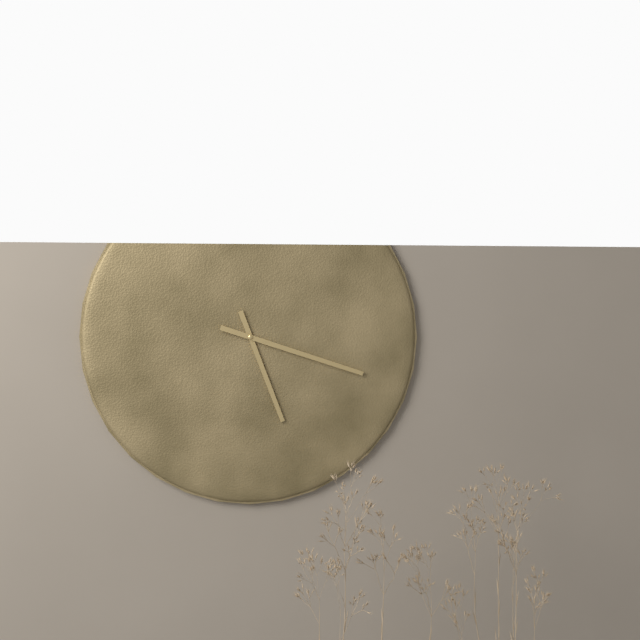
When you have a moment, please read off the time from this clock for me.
5:18
